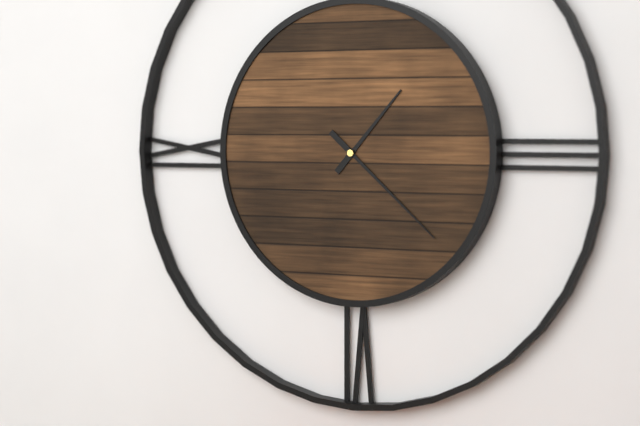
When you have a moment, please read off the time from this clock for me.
1:22
